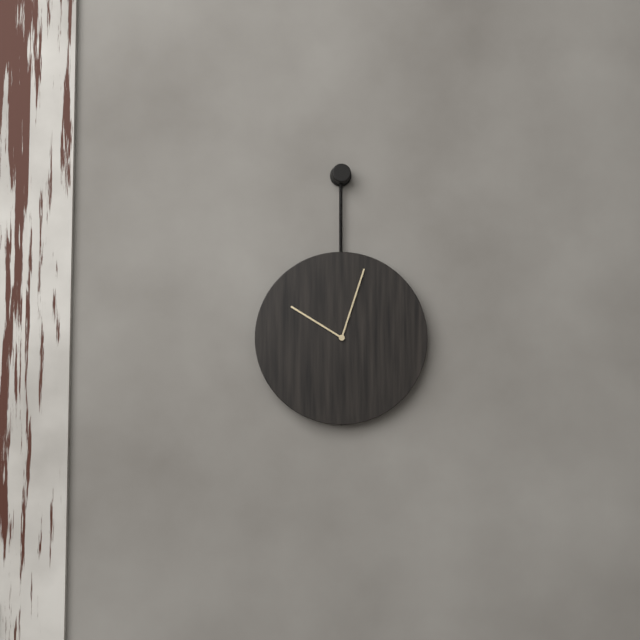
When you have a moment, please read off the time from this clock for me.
10:03
